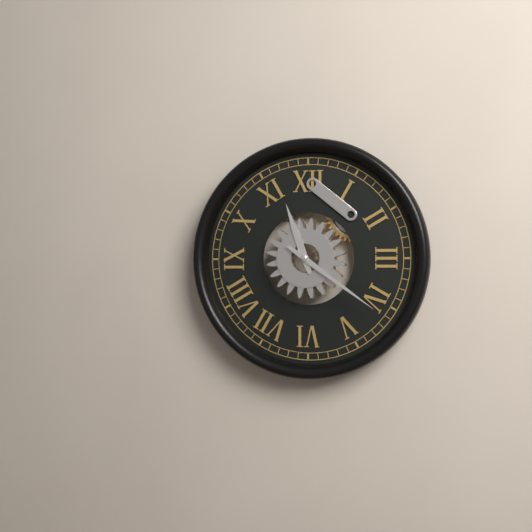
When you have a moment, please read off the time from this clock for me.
11:21
